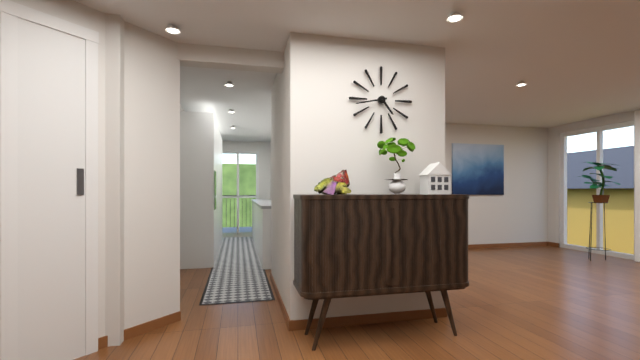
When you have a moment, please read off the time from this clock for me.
4:43
